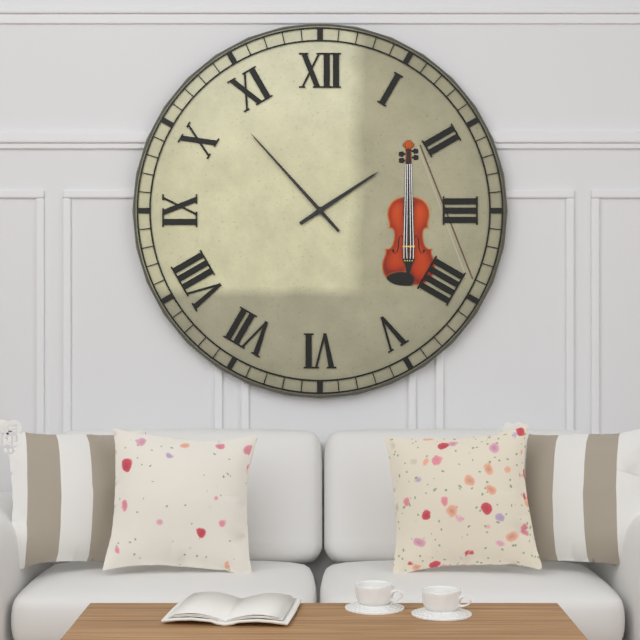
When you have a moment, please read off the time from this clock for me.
1:53
